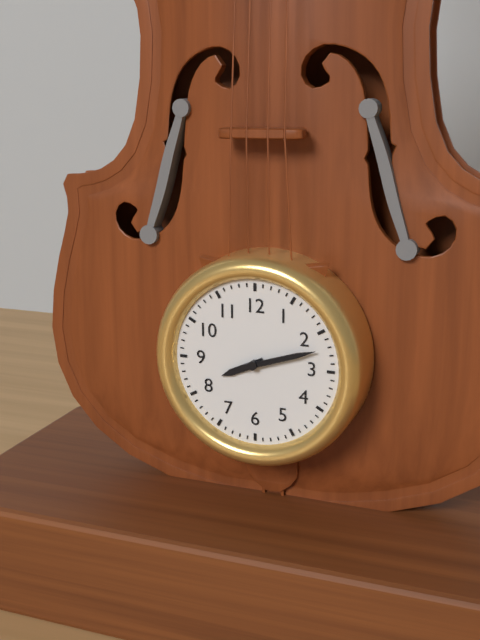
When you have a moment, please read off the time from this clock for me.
8:12
